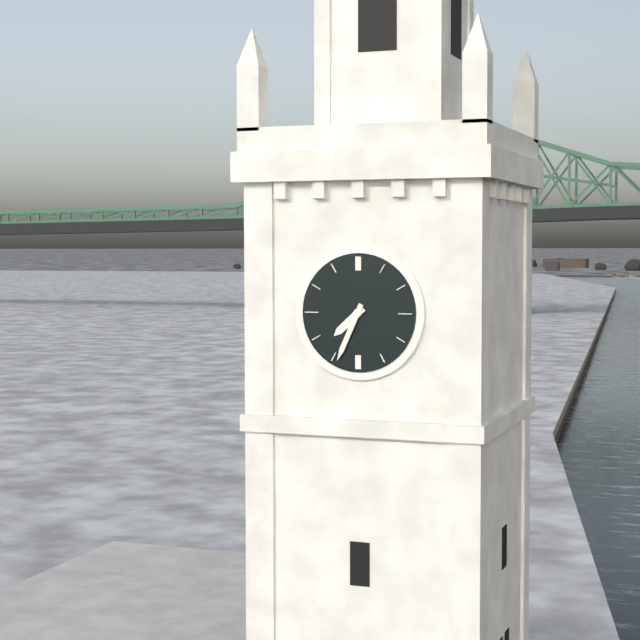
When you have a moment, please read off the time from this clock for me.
7:34
